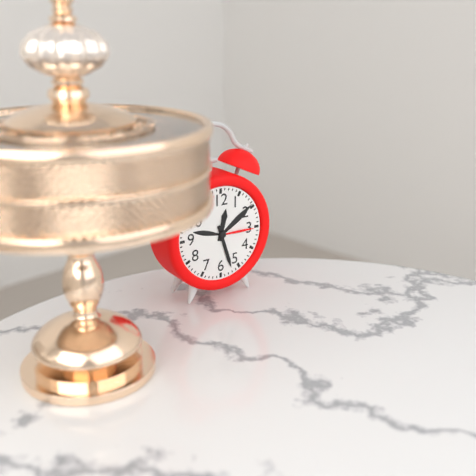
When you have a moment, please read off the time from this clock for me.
12:27
